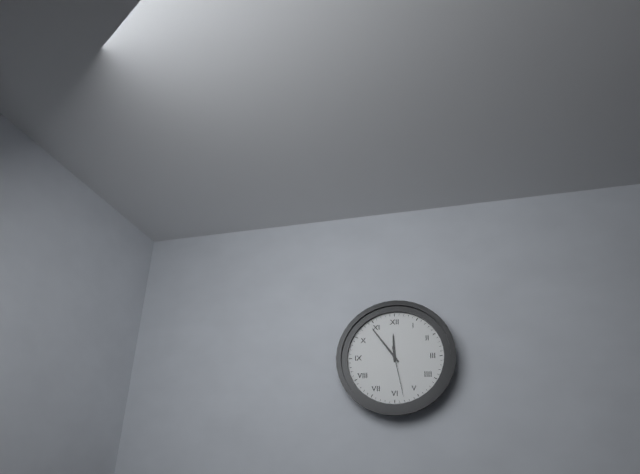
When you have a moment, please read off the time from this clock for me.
11:54:28
